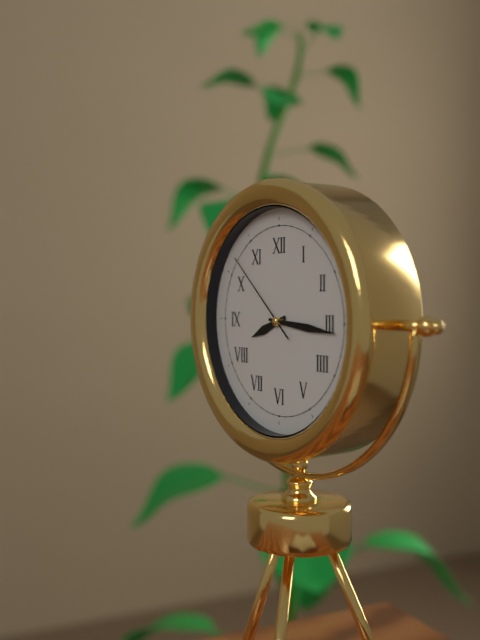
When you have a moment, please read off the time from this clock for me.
8:16:52
